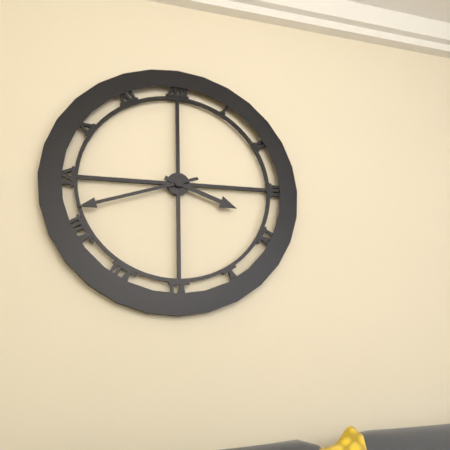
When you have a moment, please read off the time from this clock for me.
3:42
